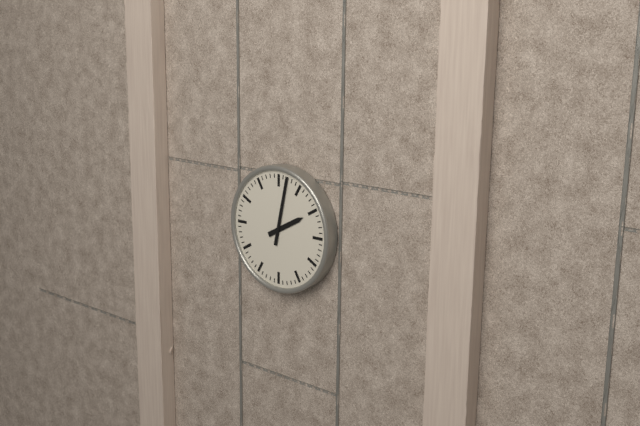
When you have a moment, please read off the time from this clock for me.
2:02
